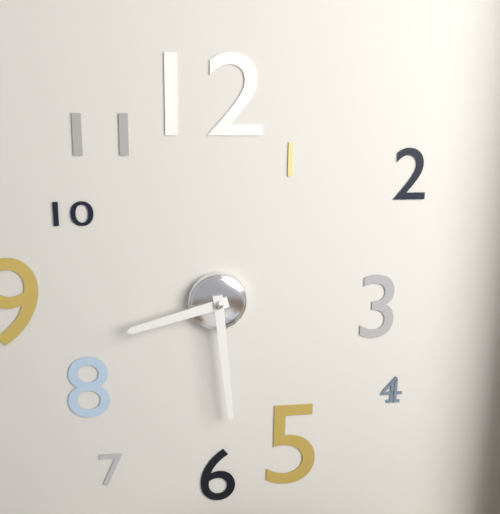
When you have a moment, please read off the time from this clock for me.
8:29
